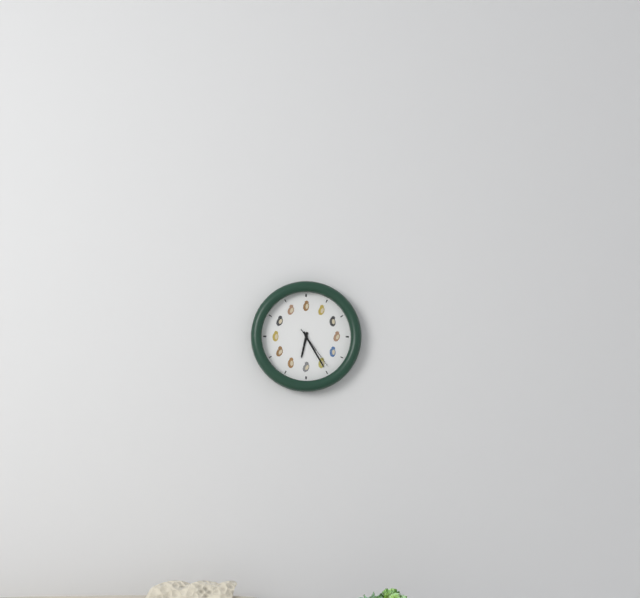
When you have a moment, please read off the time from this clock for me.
6:25
